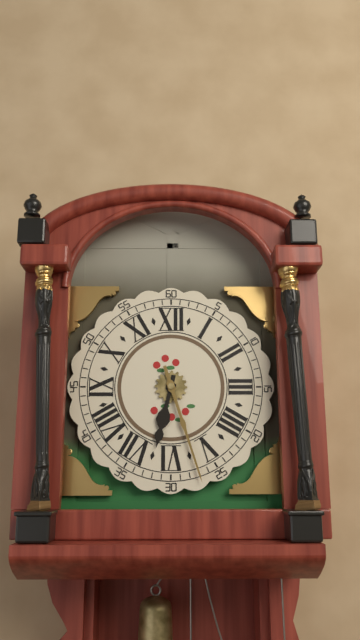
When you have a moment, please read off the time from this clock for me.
6:27
